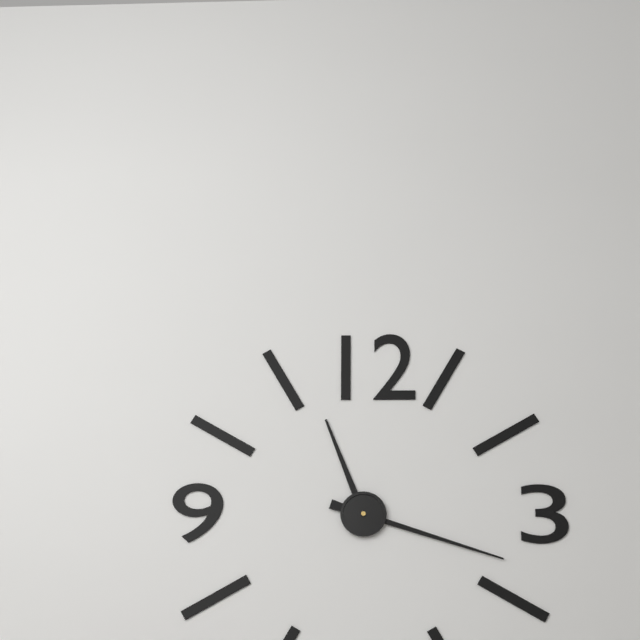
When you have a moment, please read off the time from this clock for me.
11:18
